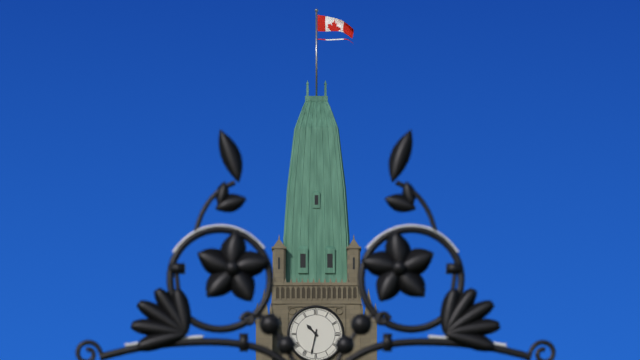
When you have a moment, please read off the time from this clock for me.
10:32
